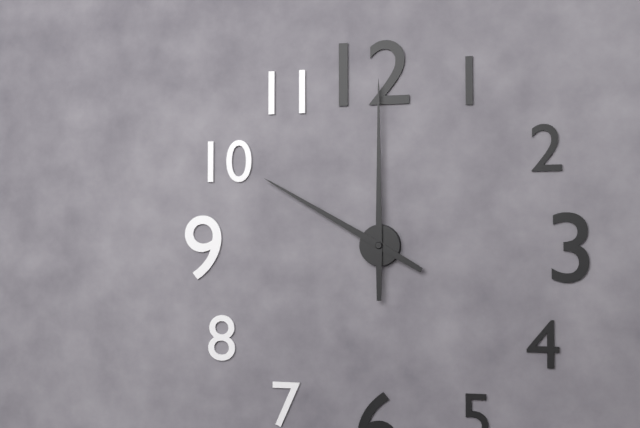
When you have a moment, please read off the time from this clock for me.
10:00
